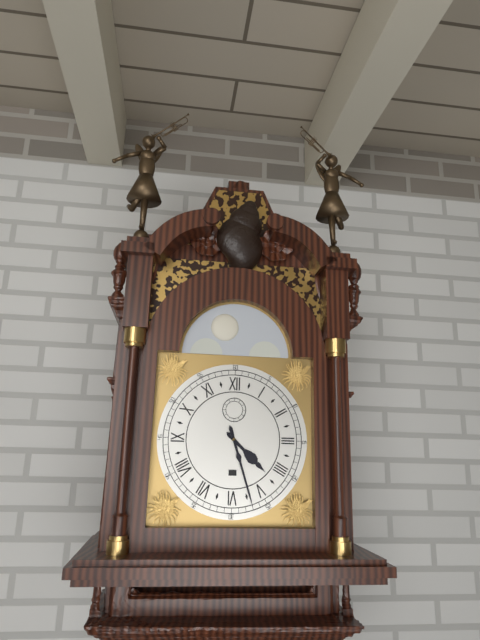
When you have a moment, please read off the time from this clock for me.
4:27
